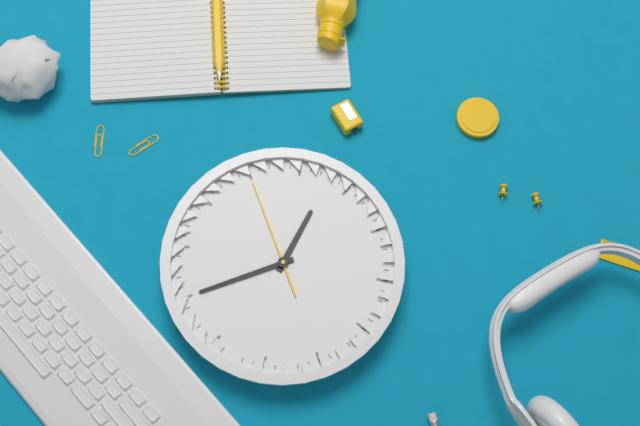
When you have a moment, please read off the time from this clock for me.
11:35:50
